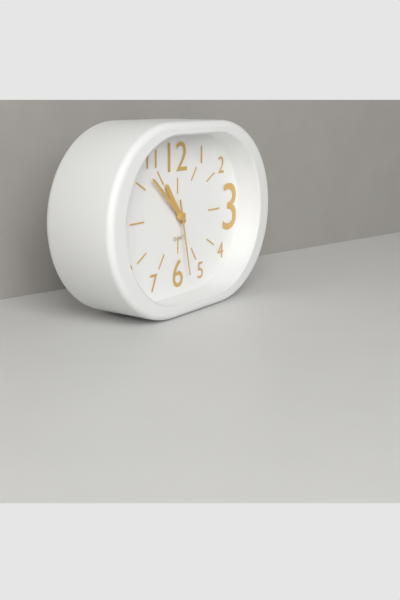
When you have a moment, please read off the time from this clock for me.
10:52:28
